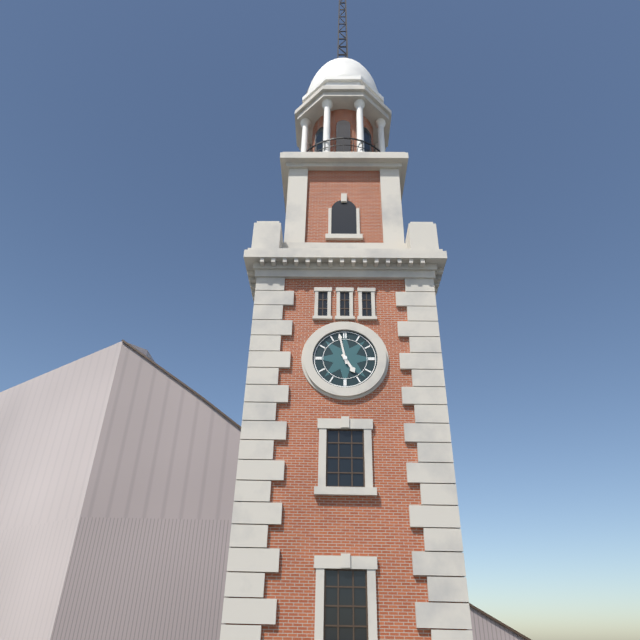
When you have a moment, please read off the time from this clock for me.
4:58
